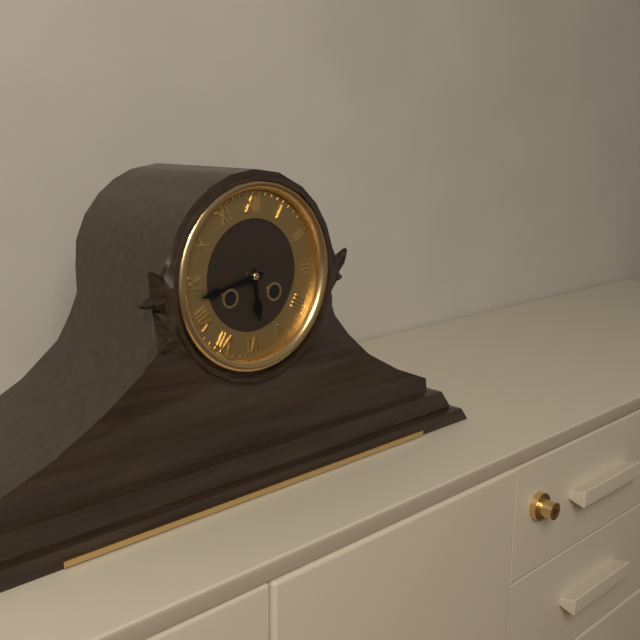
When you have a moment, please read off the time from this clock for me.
5:43
